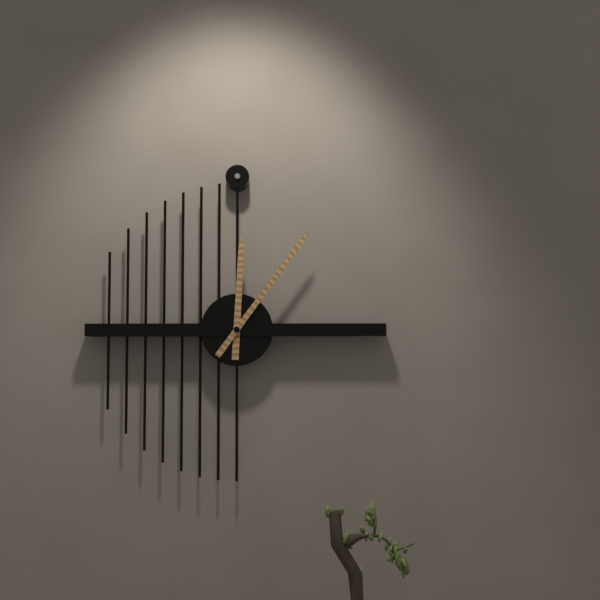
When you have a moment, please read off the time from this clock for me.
12:06
